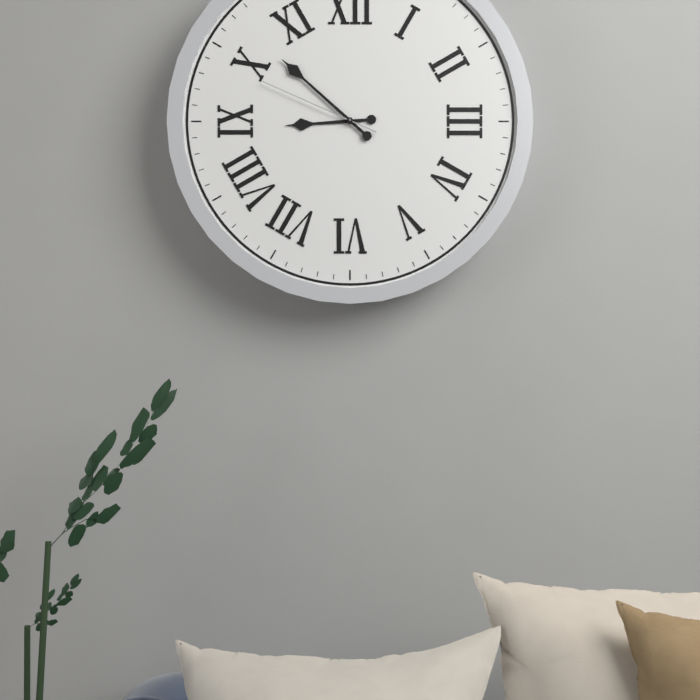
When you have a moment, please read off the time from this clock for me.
8:52:49
